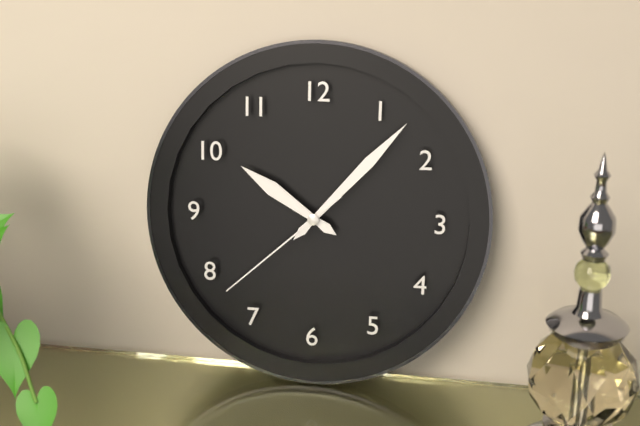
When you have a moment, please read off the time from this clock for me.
10:07:38
